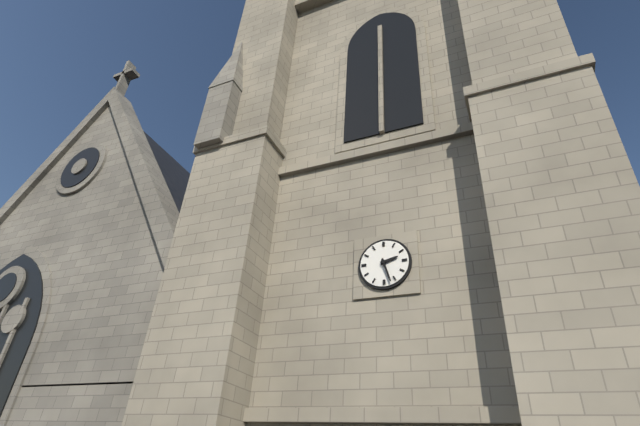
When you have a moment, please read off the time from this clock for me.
2:27
